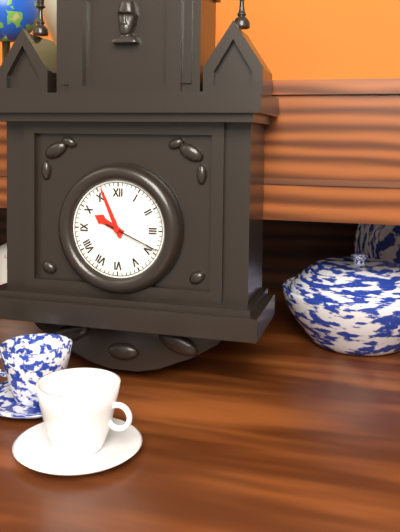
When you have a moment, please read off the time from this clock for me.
9:56
